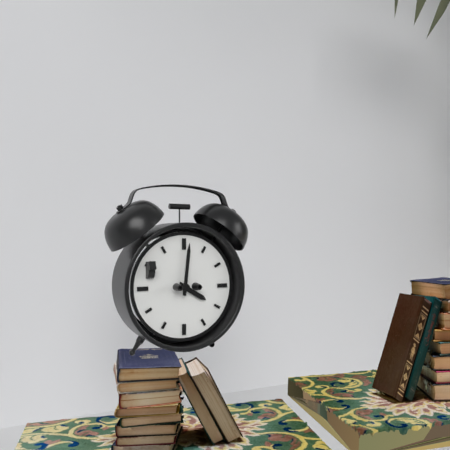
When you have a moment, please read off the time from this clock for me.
4:01
